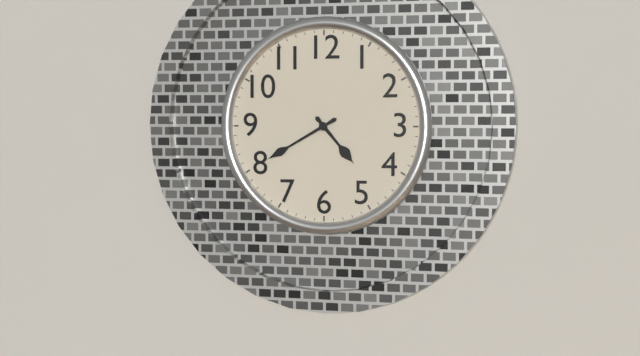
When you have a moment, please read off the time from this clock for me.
4:40
